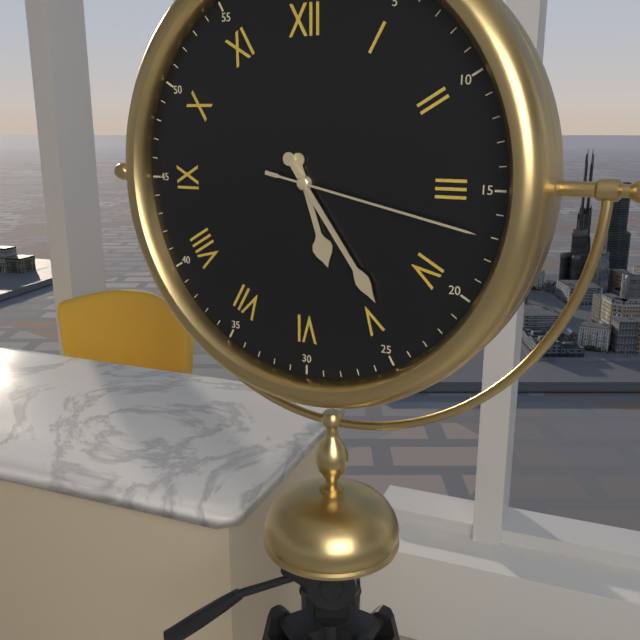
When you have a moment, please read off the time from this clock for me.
5:24:17
